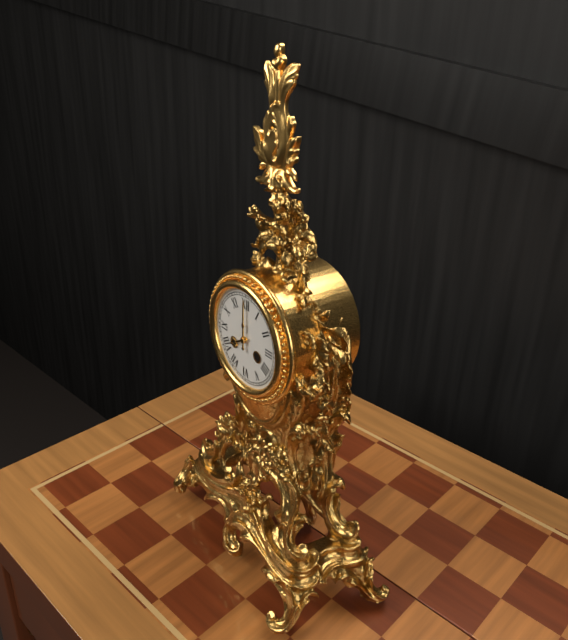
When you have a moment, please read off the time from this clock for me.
8:00
